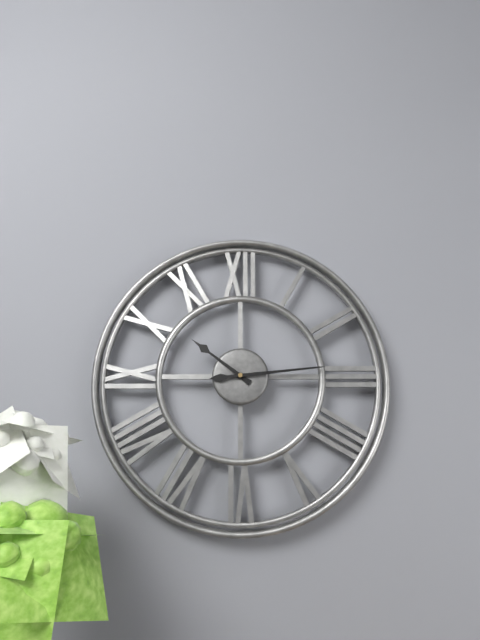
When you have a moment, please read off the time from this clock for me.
10:14
